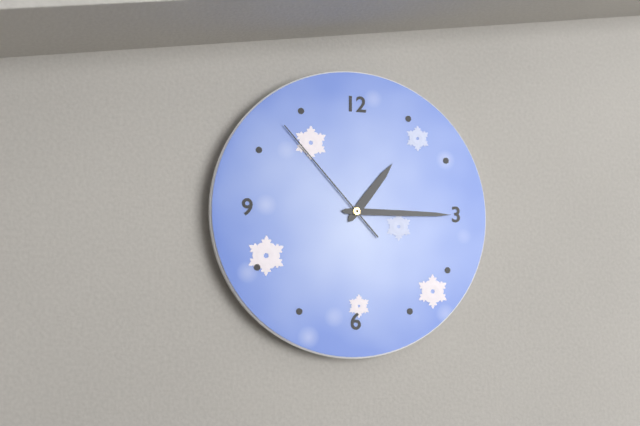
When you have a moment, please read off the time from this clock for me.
1:15:53
